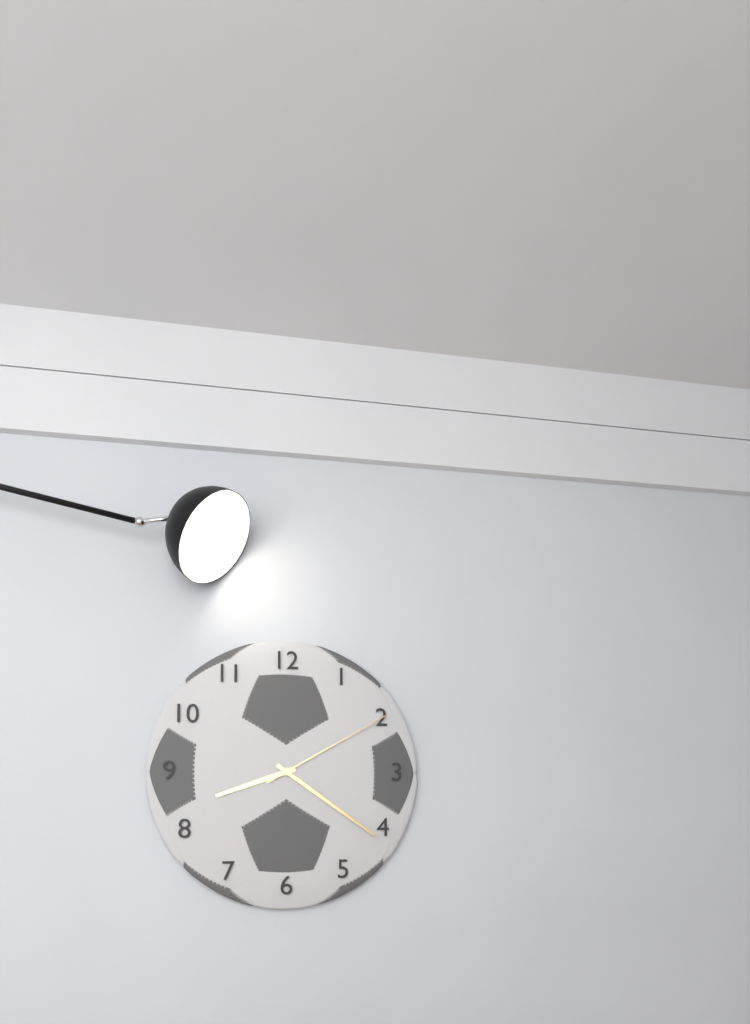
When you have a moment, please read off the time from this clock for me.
8:21:10
